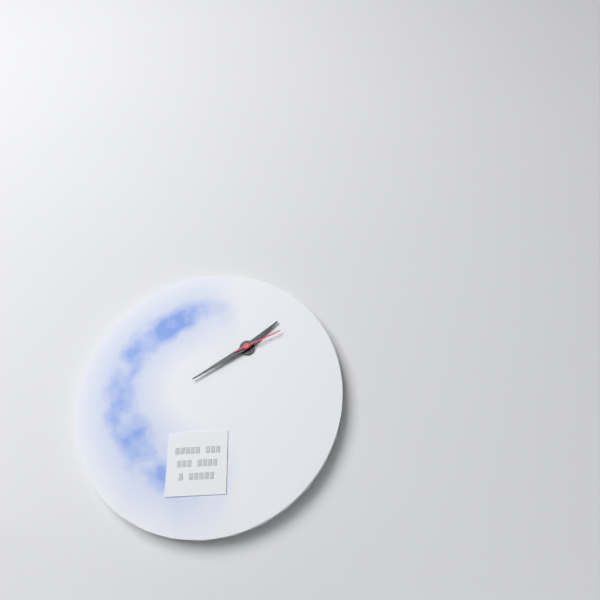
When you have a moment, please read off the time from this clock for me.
1:40
